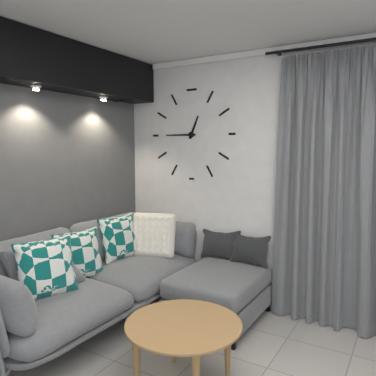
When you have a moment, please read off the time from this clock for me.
12:45
